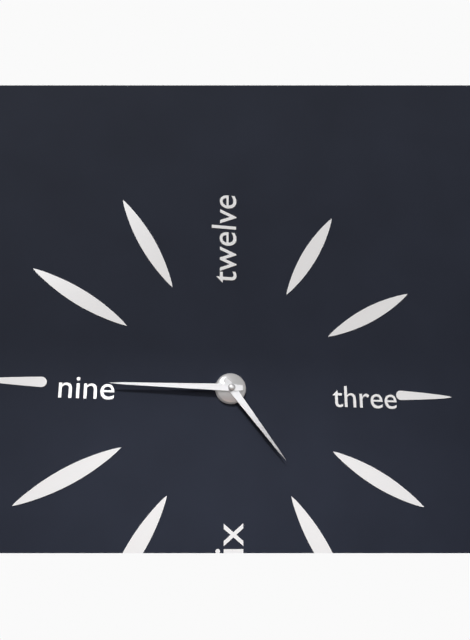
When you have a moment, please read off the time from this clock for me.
4:45
